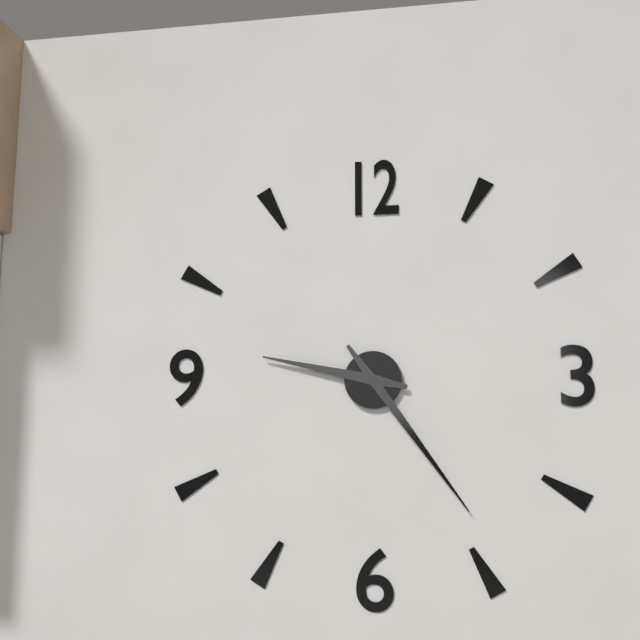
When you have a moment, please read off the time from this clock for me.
9:24
